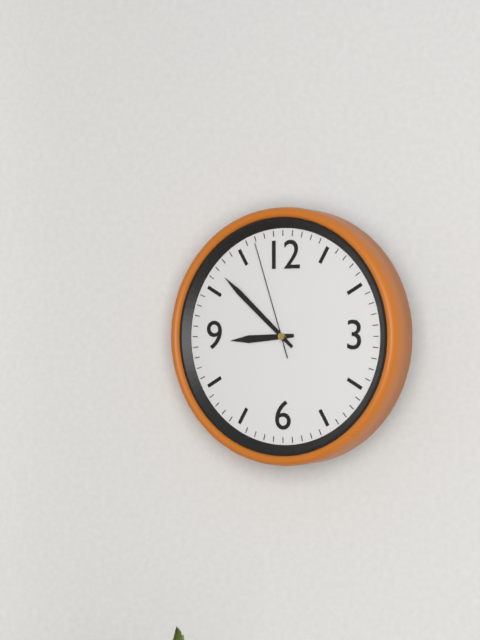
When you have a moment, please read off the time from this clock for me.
8:52:57
